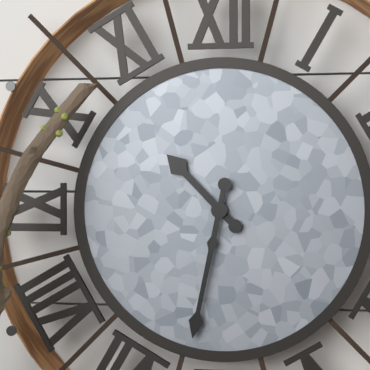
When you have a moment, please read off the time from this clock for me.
10:32
